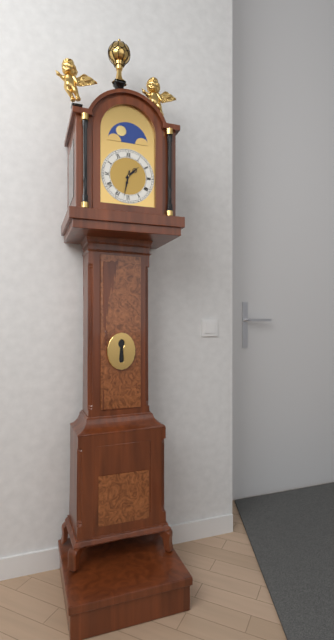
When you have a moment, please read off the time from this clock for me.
1:32
